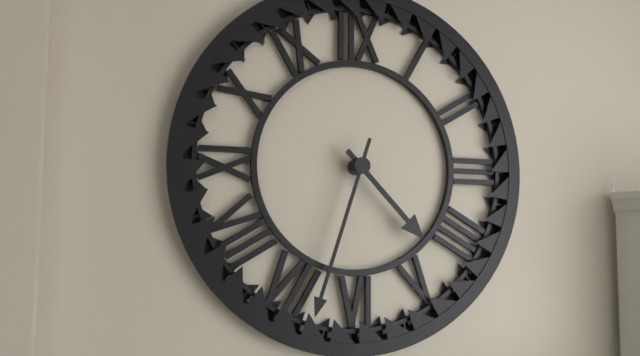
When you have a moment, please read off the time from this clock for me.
4:33
